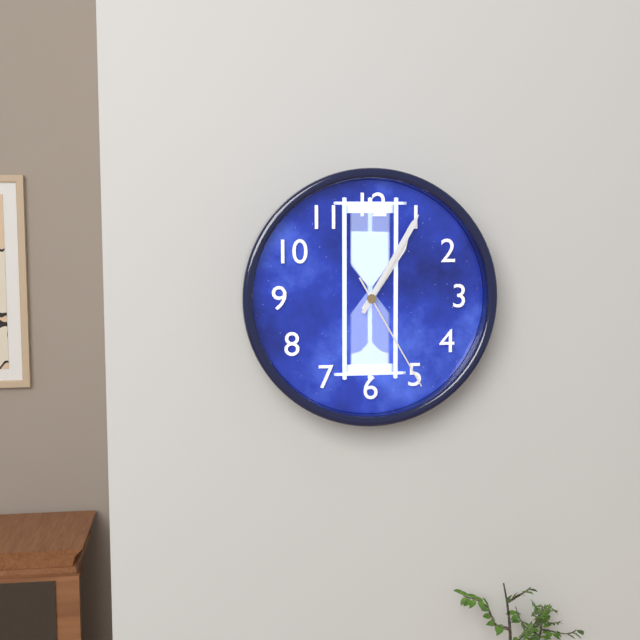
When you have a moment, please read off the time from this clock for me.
1:05:25
